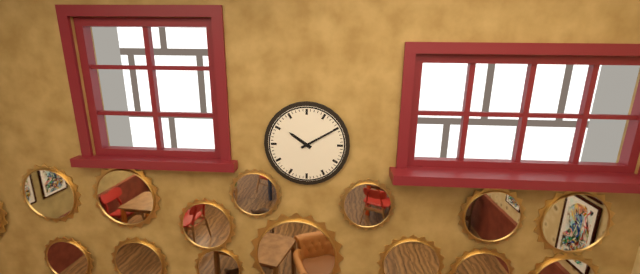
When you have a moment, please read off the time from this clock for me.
10:10
